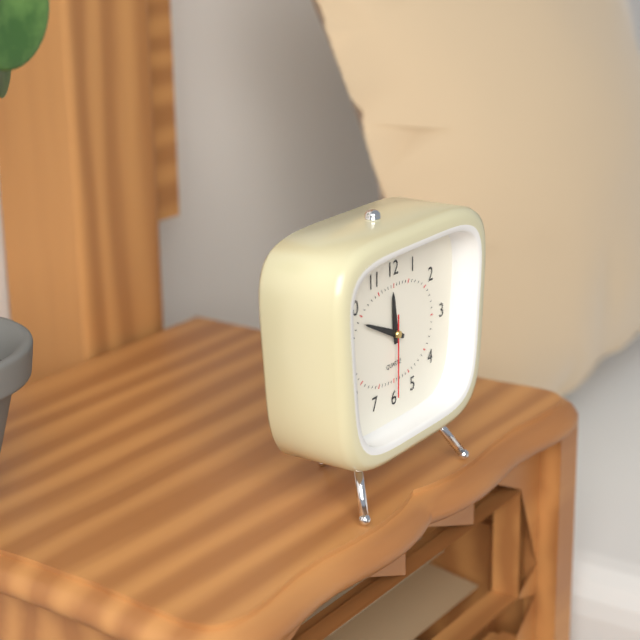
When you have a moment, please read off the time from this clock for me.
11:49:30
